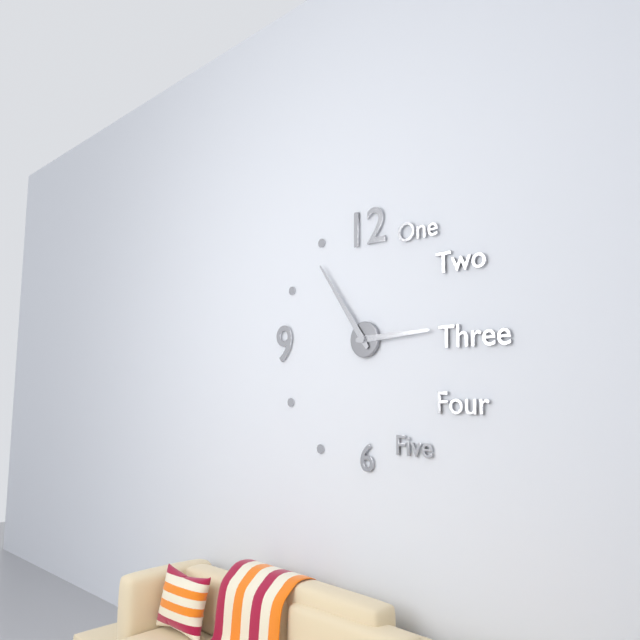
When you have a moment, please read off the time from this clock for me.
2:54
